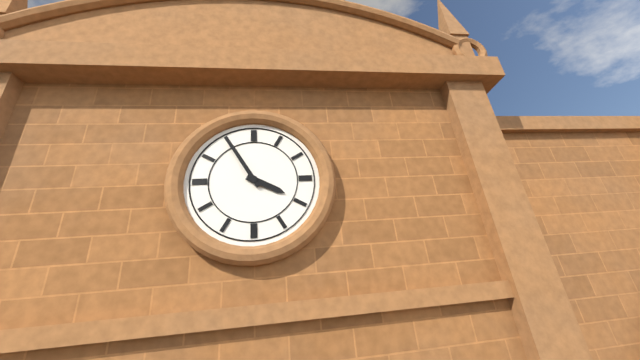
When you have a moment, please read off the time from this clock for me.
3:55
